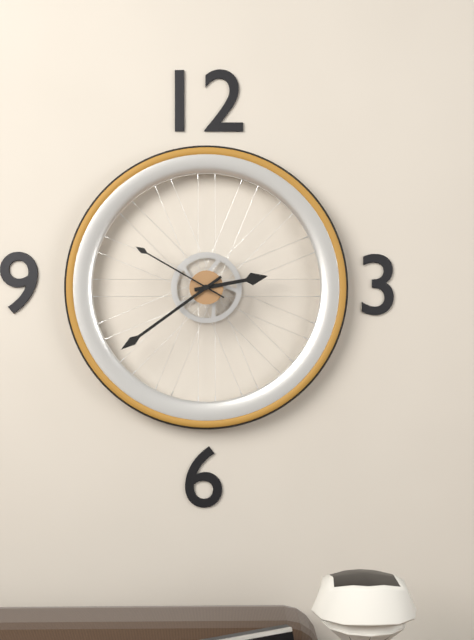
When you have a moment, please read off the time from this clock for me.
2:39:50
